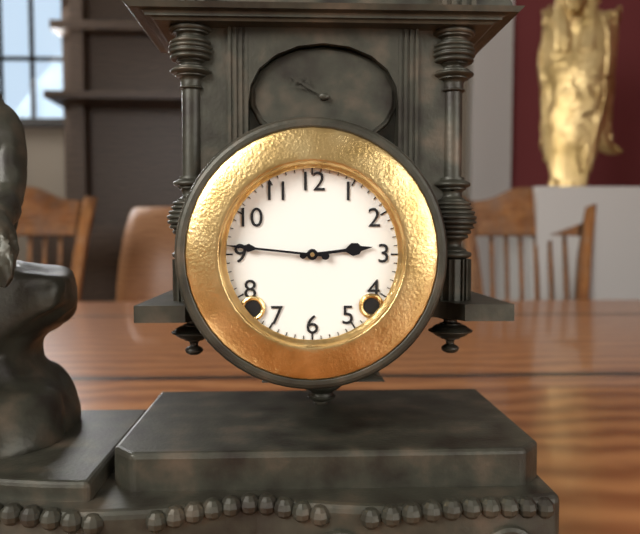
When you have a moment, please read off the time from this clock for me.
2:46
